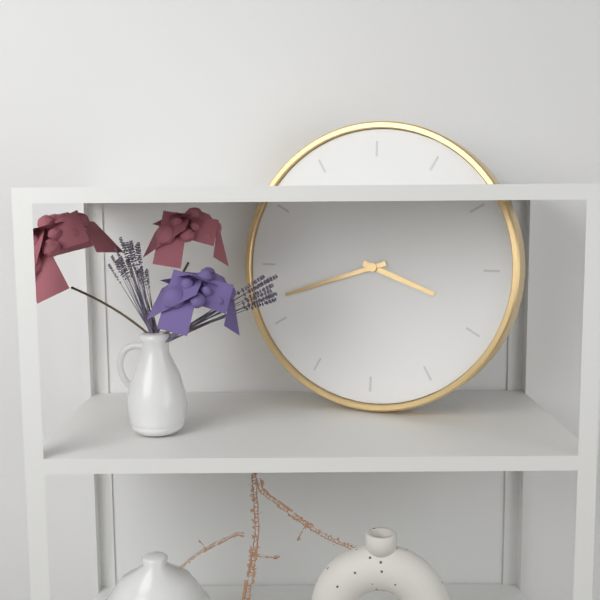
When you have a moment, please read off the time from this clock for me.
3:42
